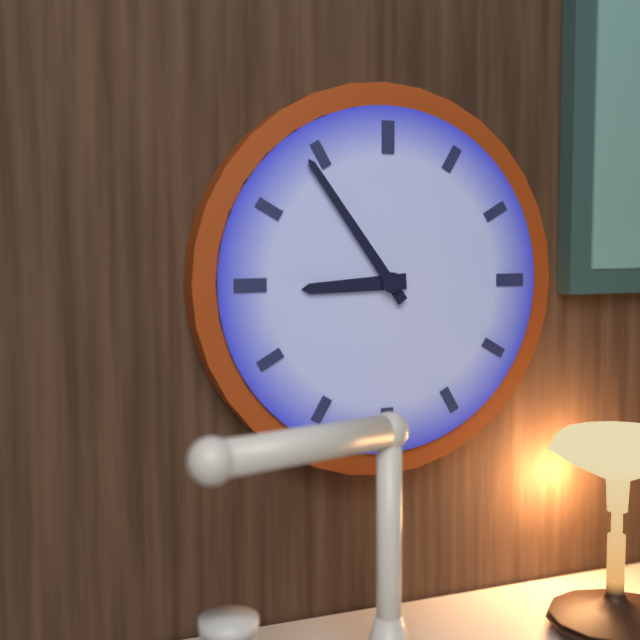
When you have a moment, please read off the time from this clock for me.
8:54
